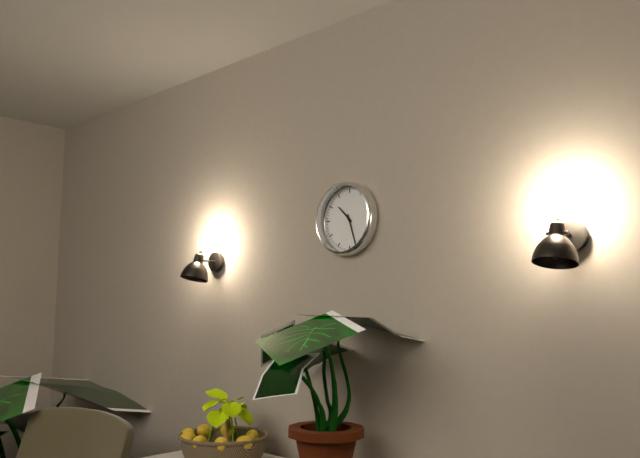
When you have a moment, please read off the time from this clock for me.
10:27
